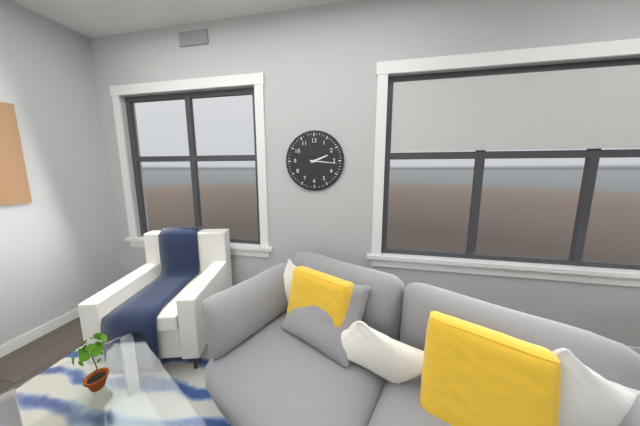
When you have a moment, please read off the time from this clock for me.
2:16
